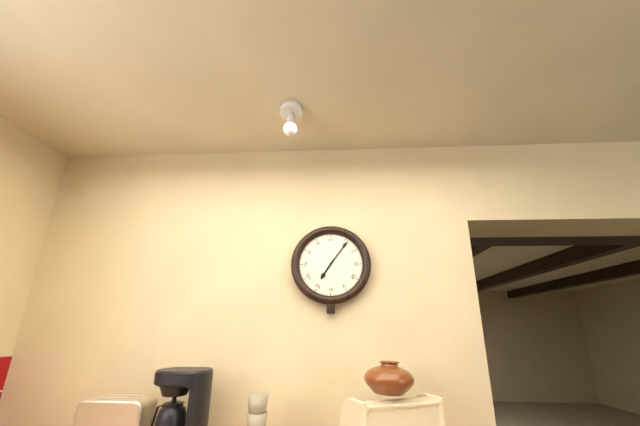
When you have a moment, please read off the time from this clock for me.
7:06
